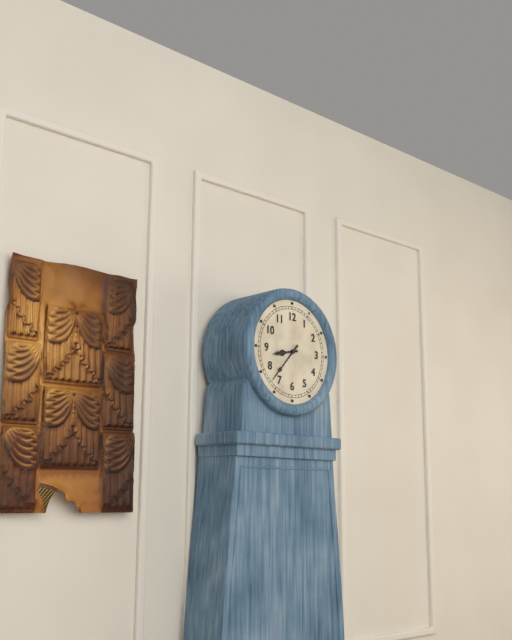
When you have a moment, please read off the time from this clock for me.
8:37
